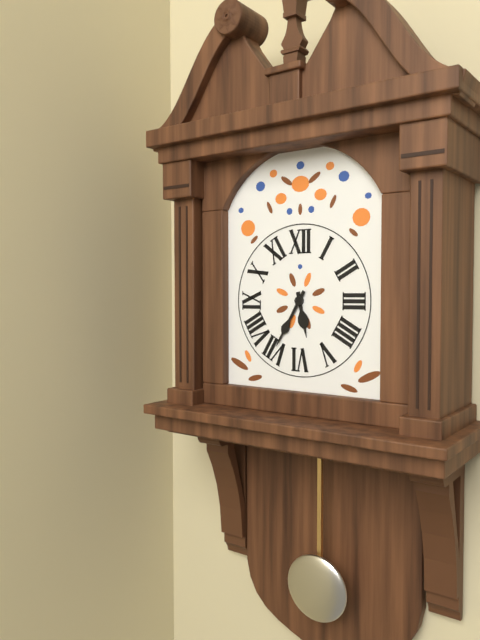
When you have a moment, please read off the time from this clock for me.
5:35
